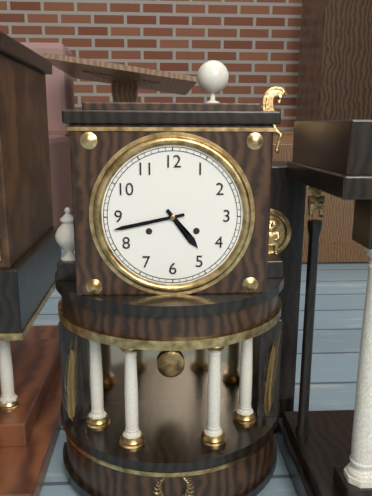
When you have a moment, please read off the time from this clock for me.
4:43
